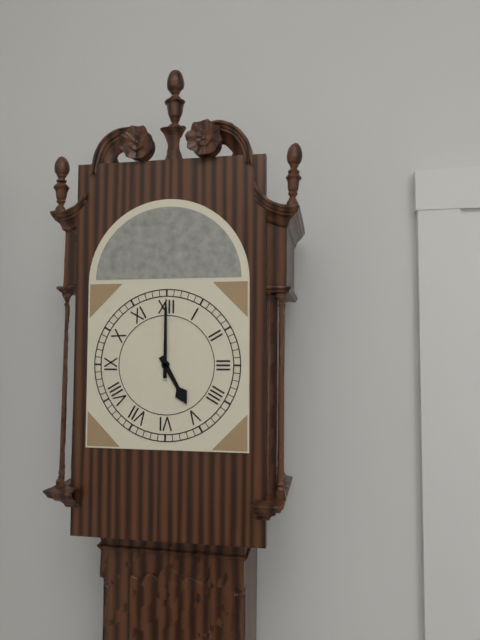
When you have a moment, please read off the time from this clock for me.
5:00
